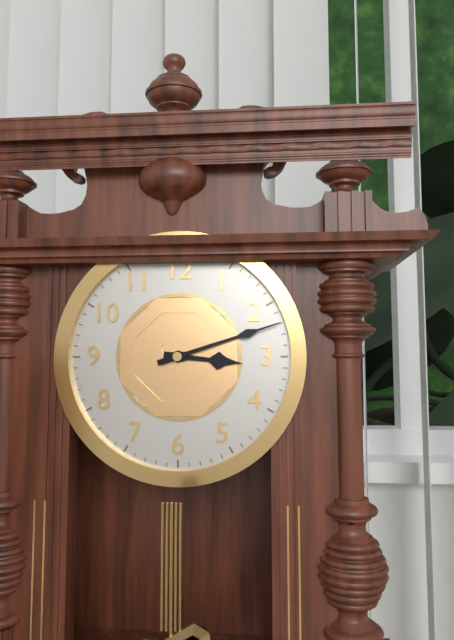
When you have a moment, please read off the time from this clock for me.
3:12
